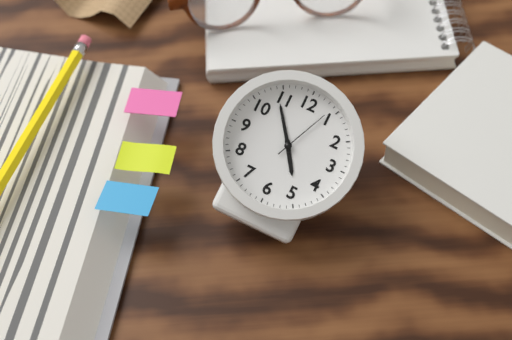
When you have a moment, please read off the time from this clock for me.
4:54:04
